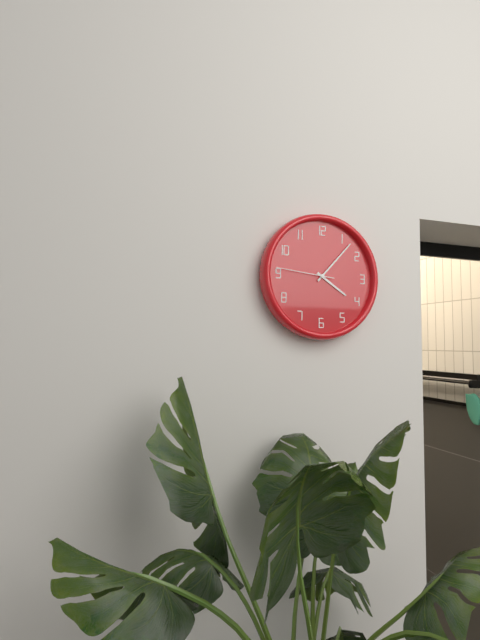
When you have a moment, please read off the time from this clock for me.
4:07:46
